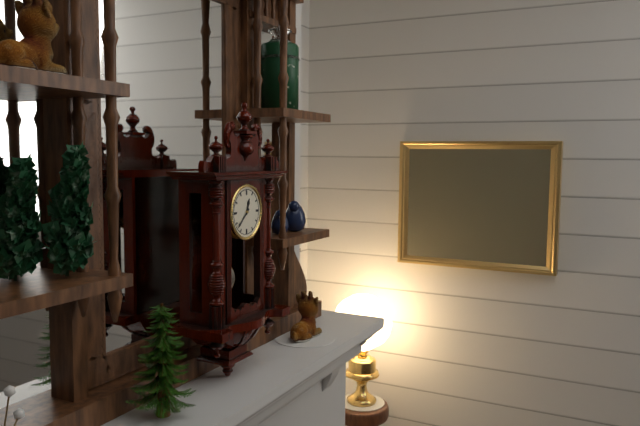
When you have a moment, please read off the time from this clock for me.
12:38
